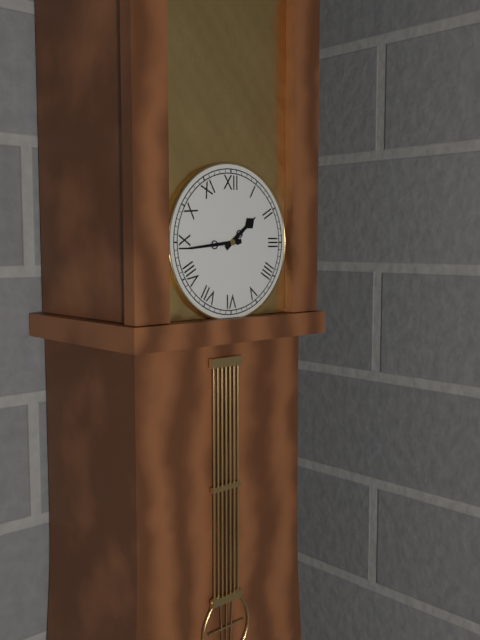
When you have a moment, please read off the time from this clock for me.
1:44
